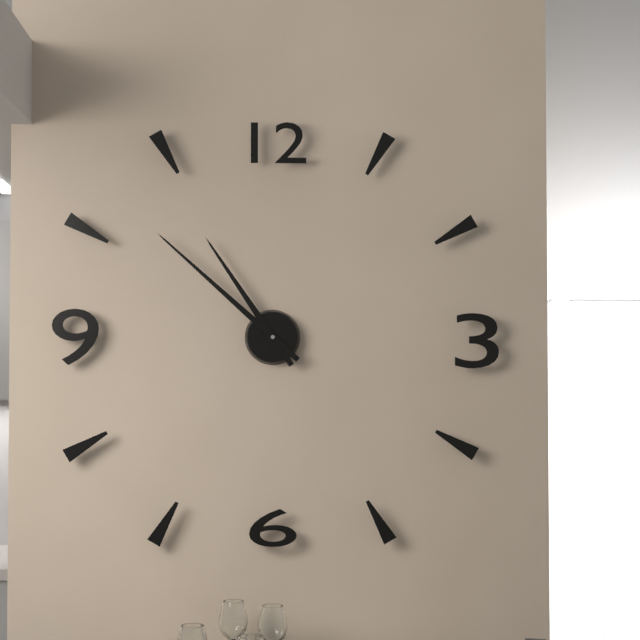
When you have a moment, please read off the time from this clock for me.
10:52
